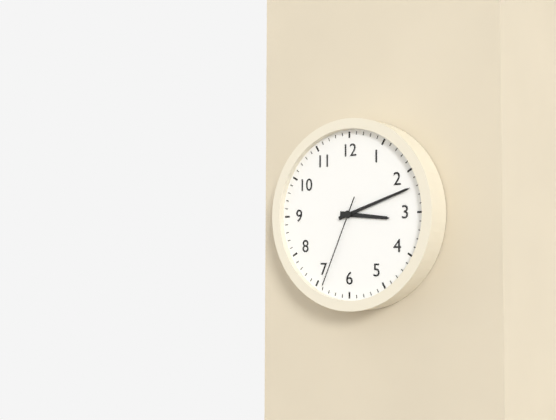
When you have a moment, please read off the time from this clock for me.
3:12:34
